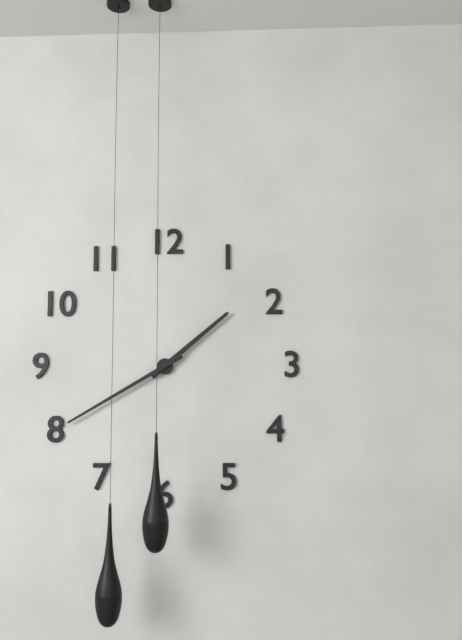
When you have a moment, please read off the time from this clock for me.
1:40
